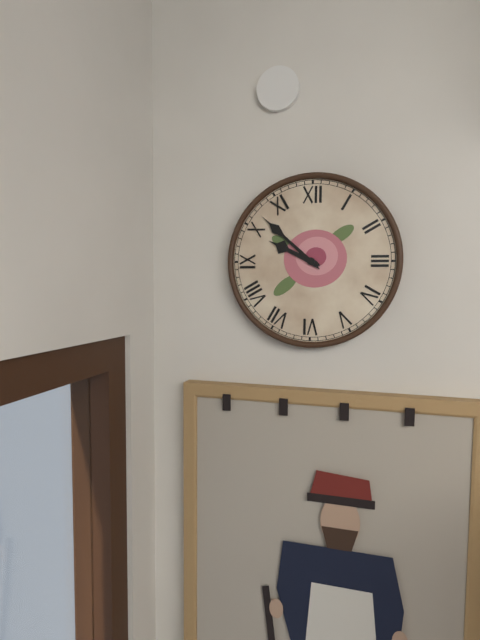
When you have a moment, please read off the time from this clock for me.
9:52
